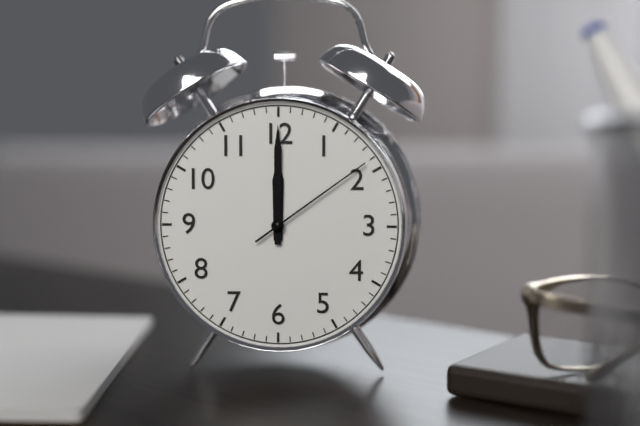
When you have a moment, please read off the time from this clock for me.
12:00:09
